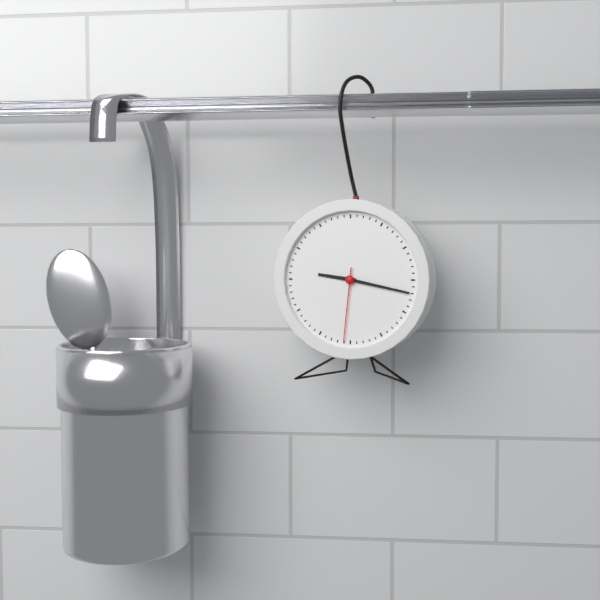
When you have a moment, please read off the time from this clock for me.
9:17:31
